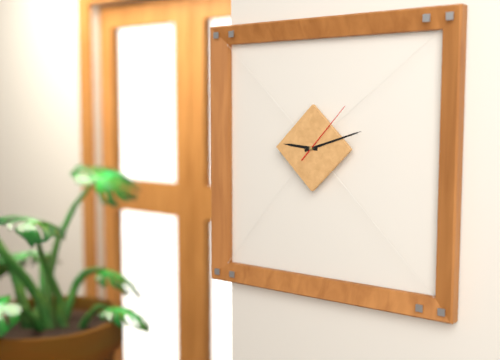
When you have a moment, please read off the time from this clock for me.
9:12:07
